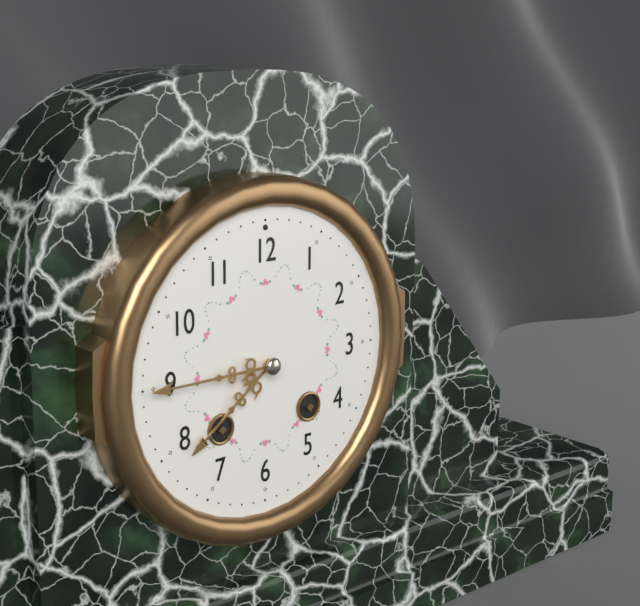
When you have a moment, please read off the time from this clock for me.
7:45
